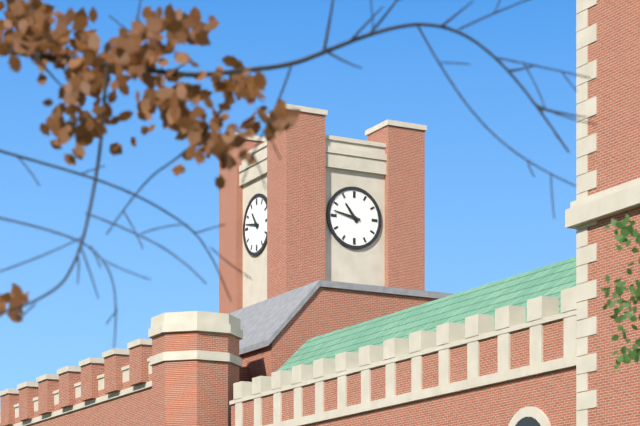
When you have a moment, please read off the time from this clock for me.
10:47
